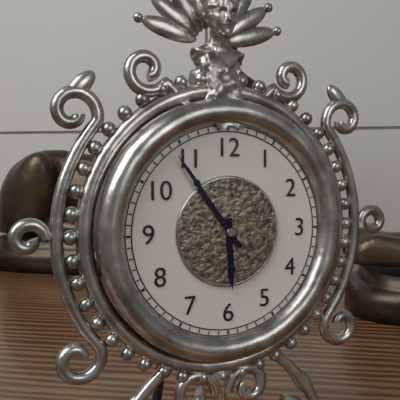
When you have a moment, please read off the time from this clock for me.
5:54
